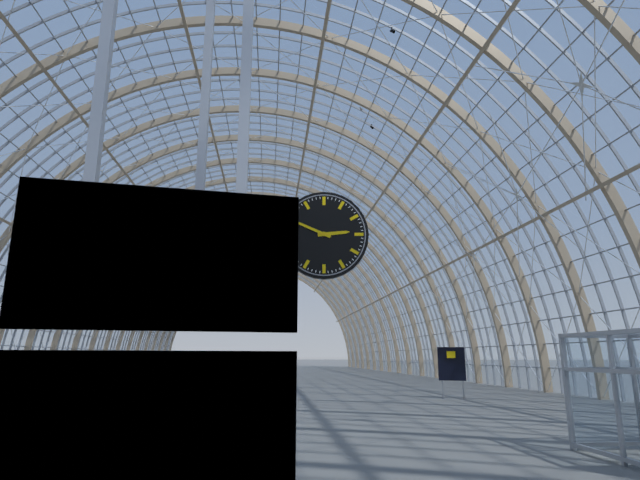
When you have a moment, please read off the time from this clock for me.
2:49
